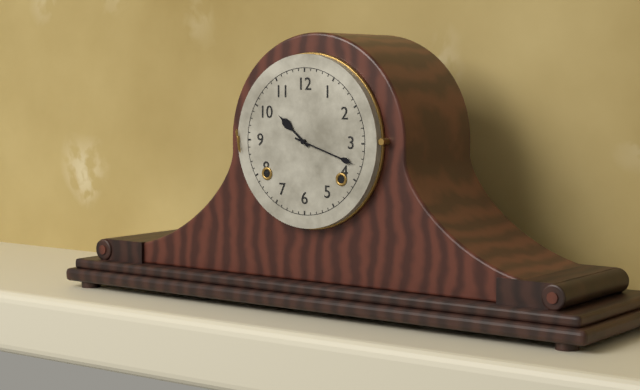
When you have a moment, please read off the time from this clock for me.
10:18
